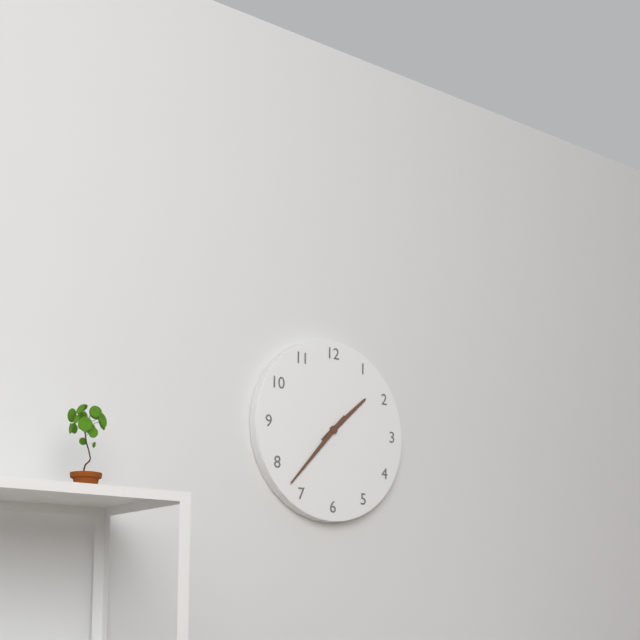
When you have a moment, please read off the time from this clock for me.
1:37
